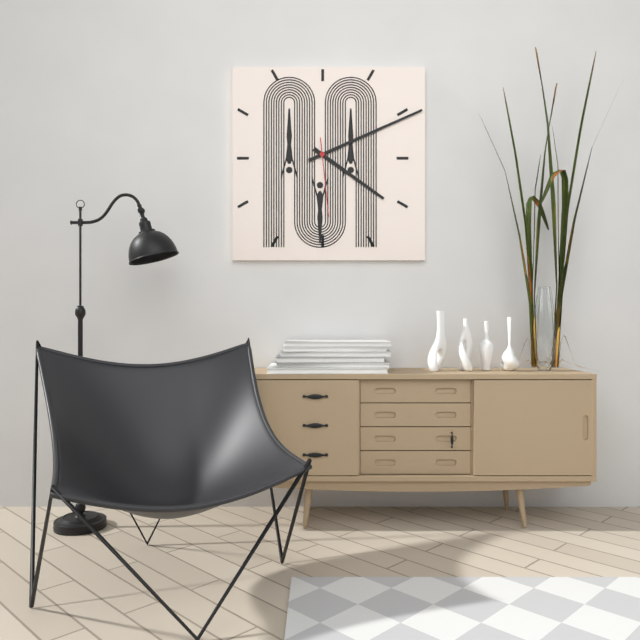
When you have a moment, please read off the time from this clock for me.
4:11:29
